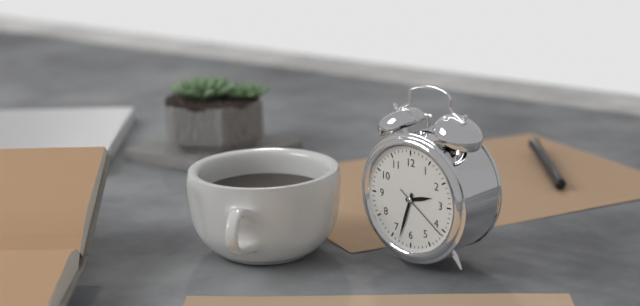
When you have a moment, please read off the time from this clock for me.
2:33:21
